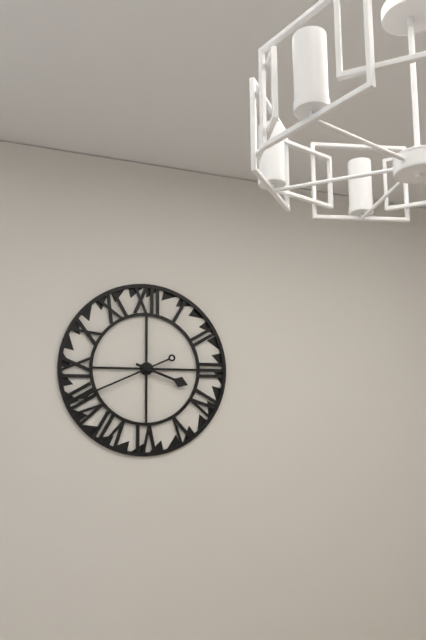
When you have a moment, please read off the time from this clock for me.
3:41
